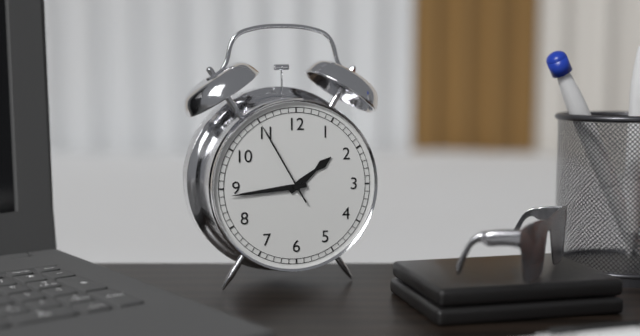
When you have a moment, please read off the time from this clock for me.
1:44:55
